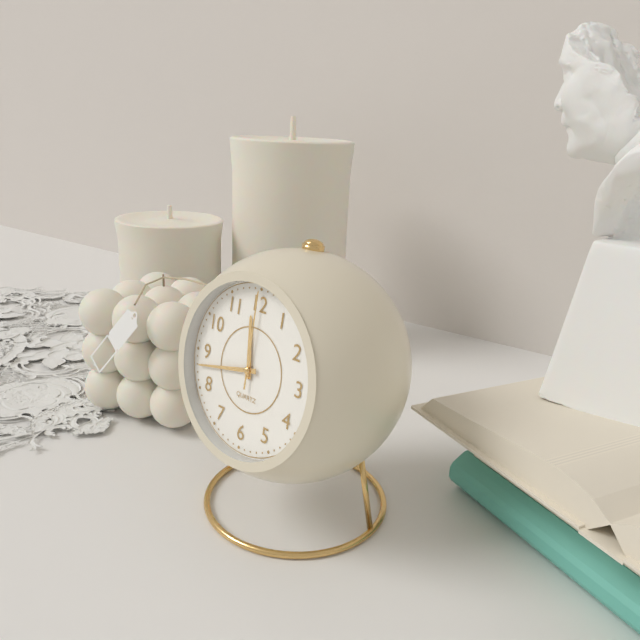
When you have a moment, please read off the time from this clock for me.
11:43:00
